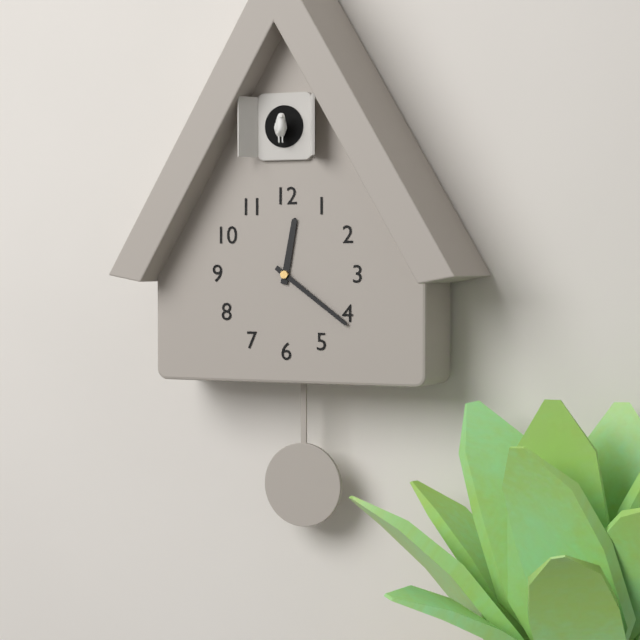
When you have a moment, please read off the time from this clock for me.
12:21
